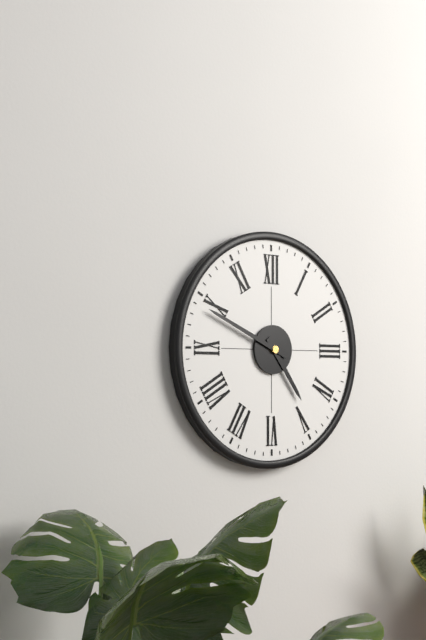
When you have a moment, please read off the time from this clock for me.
4:49
